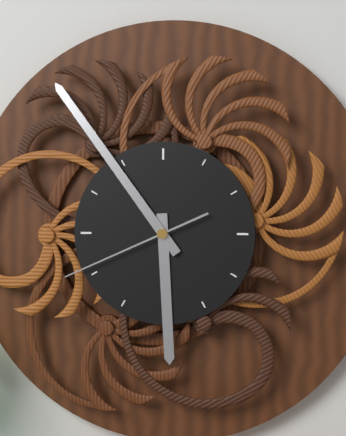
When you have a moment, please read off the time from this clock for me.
5:54:41
